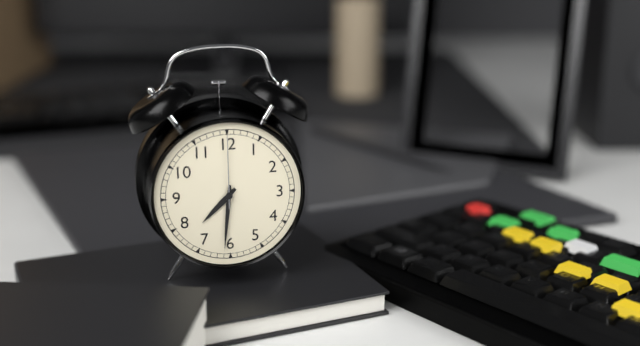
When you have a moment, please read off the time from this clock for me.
7:31:00
